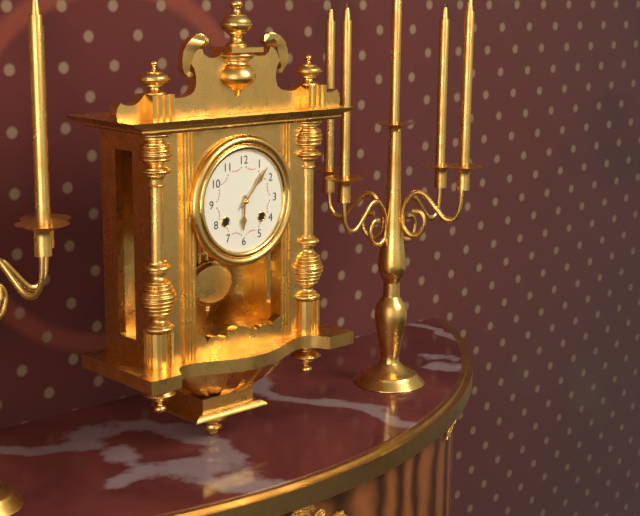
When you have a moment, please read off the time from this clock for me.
6:07
